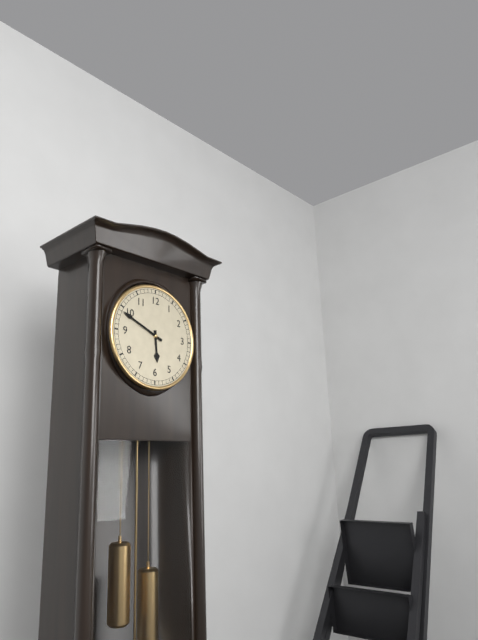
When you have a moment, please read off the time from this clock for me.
5:49
